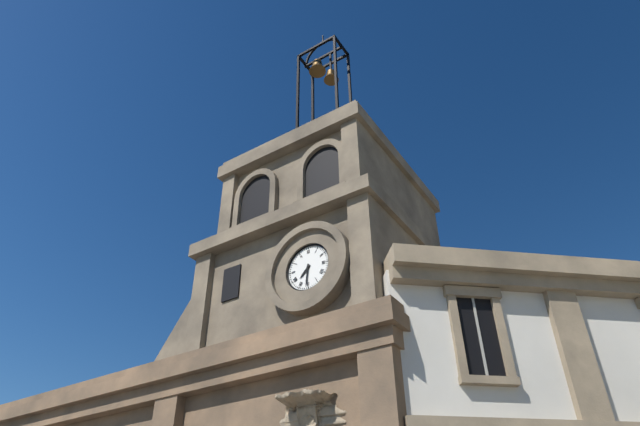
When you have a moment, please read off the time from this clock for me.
7:31
